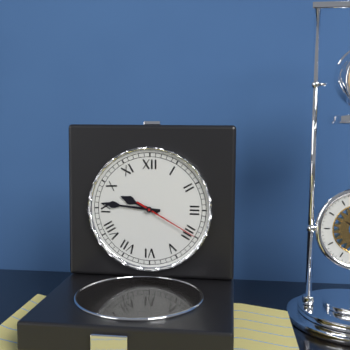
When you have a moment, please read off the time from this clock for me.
9:46:20
